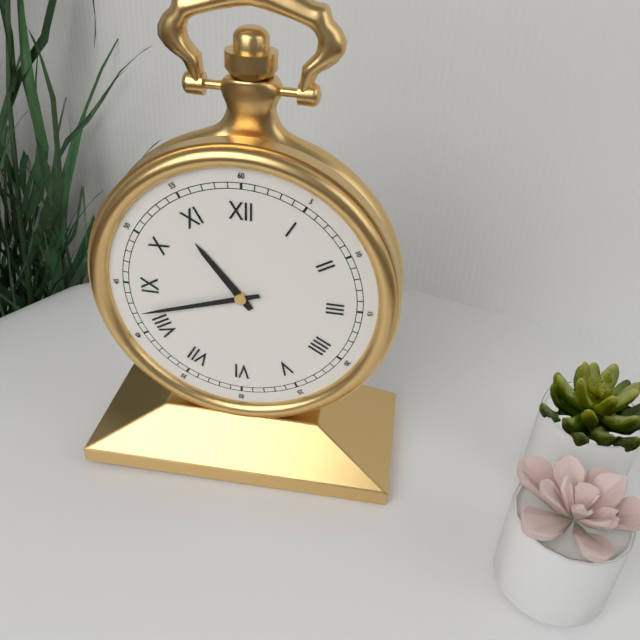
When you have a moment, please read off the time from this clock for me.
10:42
